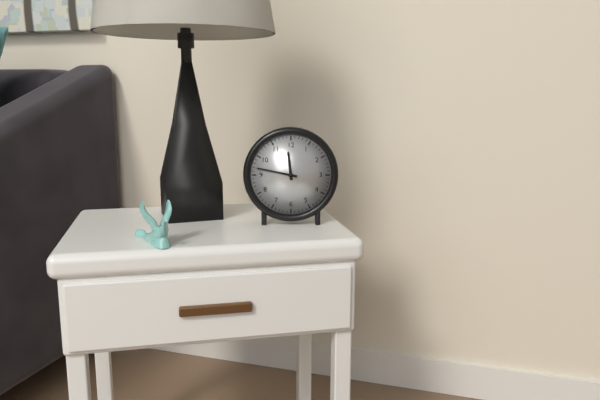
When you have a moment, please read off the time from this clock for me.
11:47
